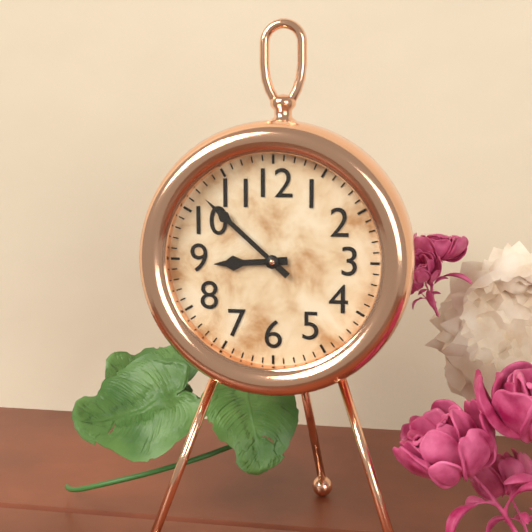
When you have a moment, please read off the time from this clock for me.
8:52
